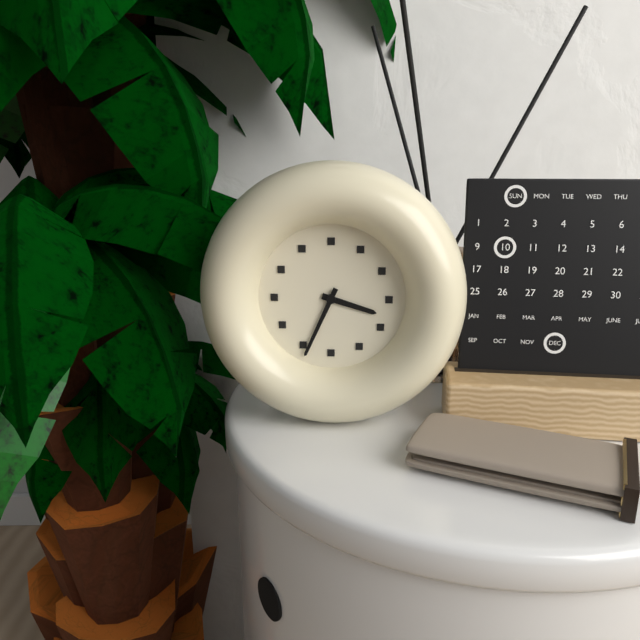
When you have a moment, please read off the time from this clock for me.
3:34
